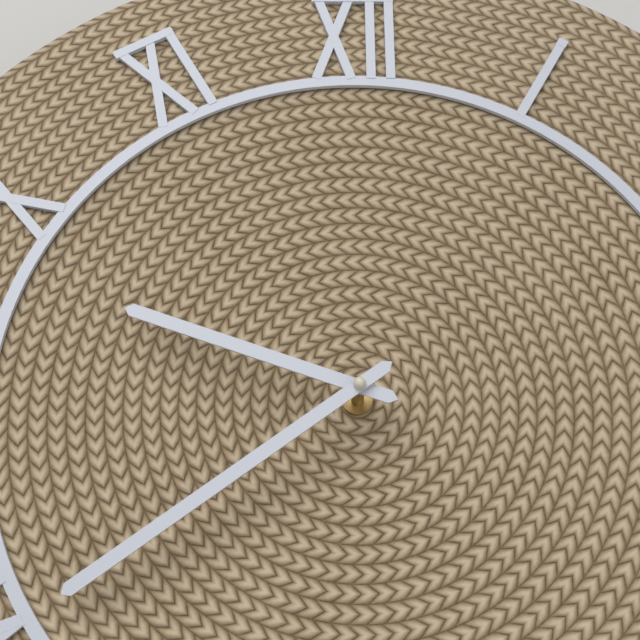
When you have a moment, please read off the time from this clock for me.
9:39
